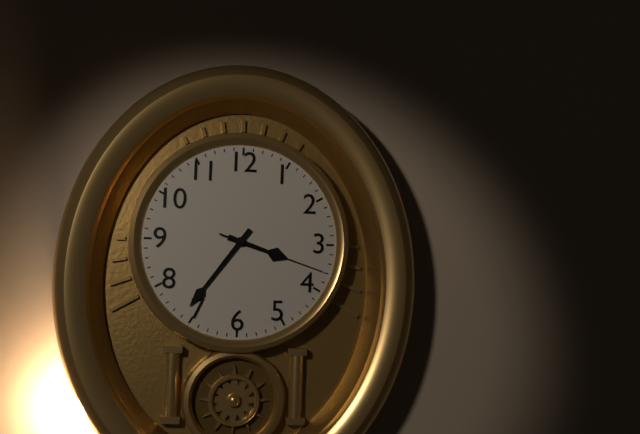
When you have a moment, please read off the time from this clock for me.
3:36:18
